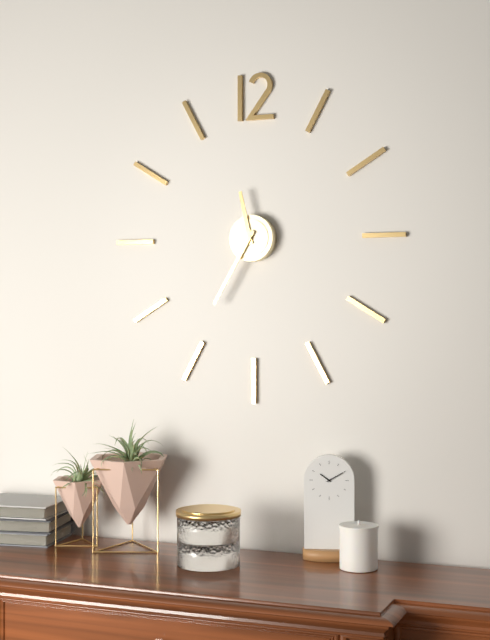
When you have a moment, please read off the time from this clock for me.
11:35
